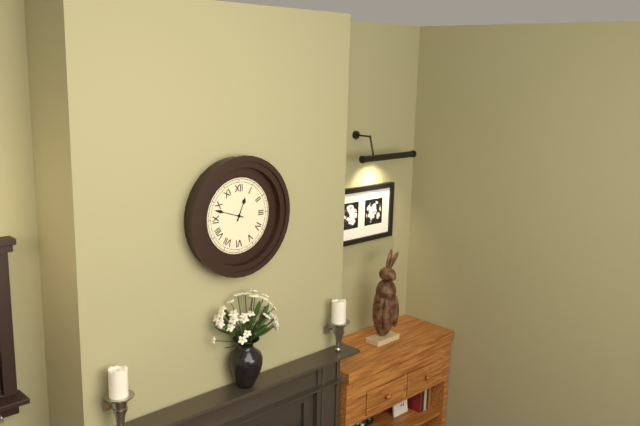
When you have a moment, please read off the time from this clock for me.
12:48
